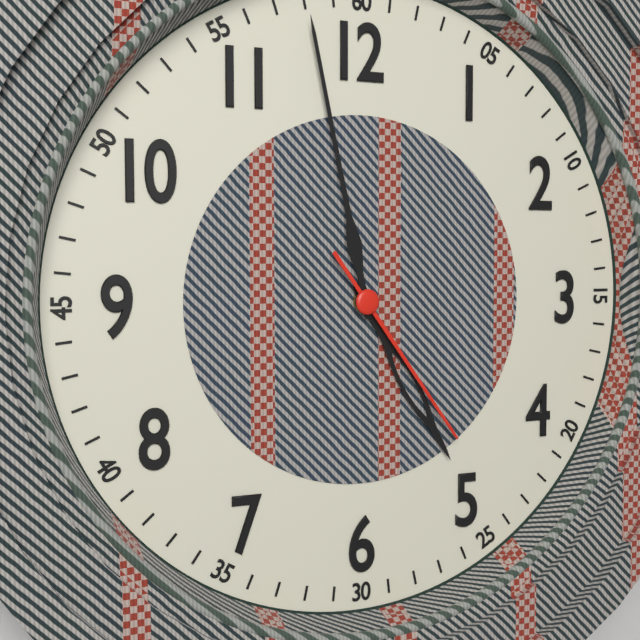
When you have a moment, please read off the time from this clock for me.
4:58:24
